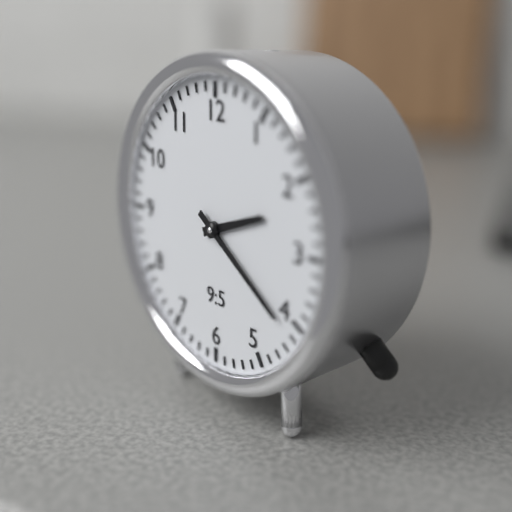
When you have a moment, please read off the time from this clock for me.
2:21
